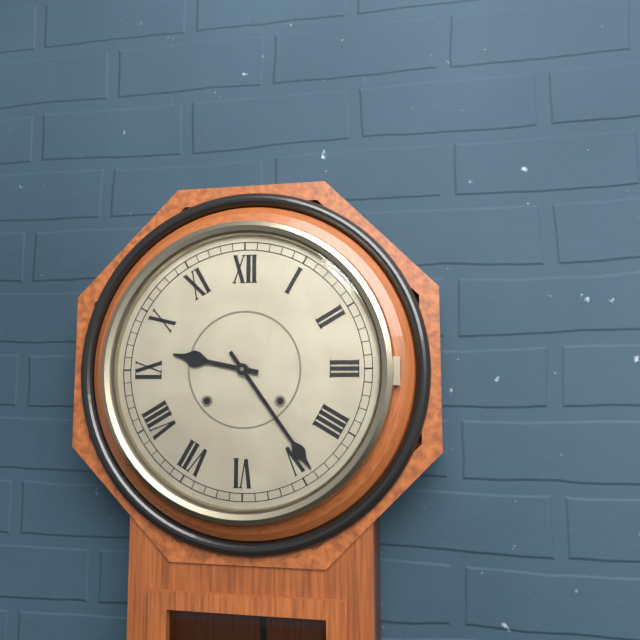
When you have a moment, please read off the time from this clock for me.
9:24
